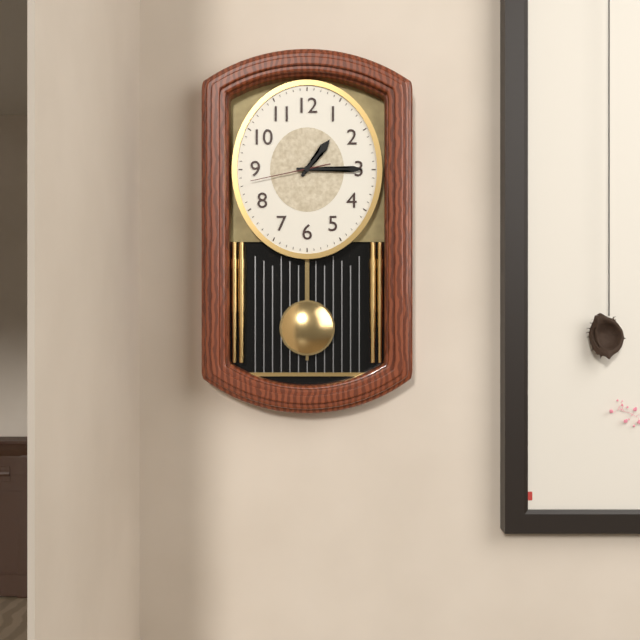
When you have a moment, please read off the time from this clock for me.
1:15:43
